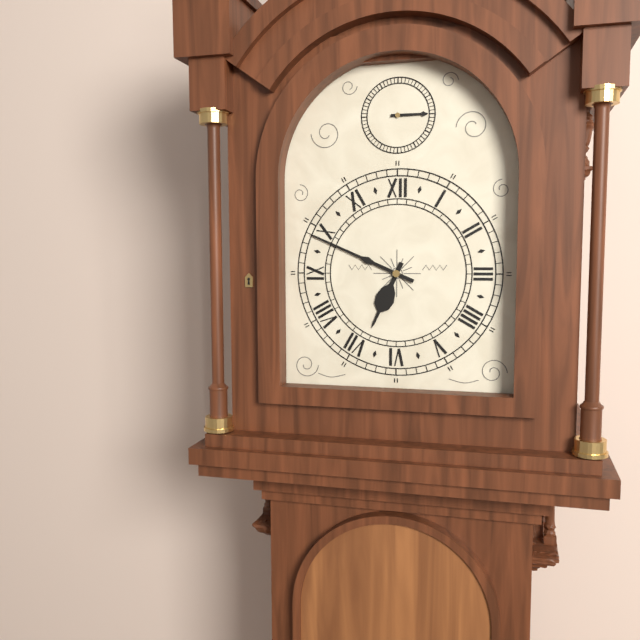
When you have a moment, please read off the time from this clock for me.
6:49
